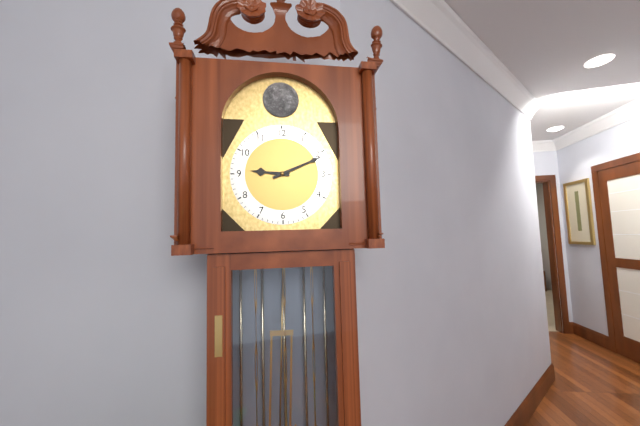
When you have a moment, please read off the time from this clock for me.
9:11
